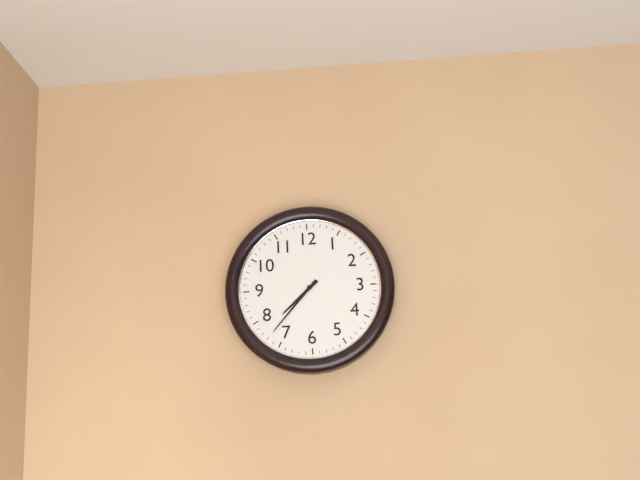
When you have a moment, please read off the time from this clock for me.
7:37
